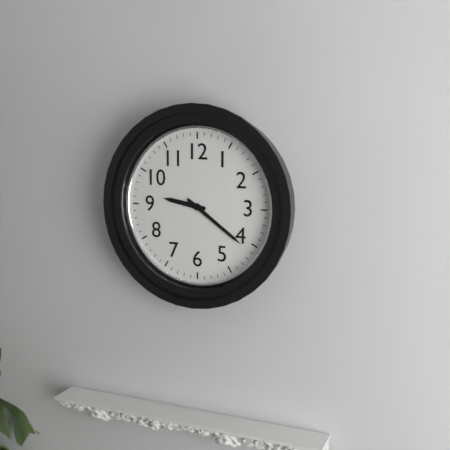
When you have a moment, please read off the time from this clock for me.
9:21
